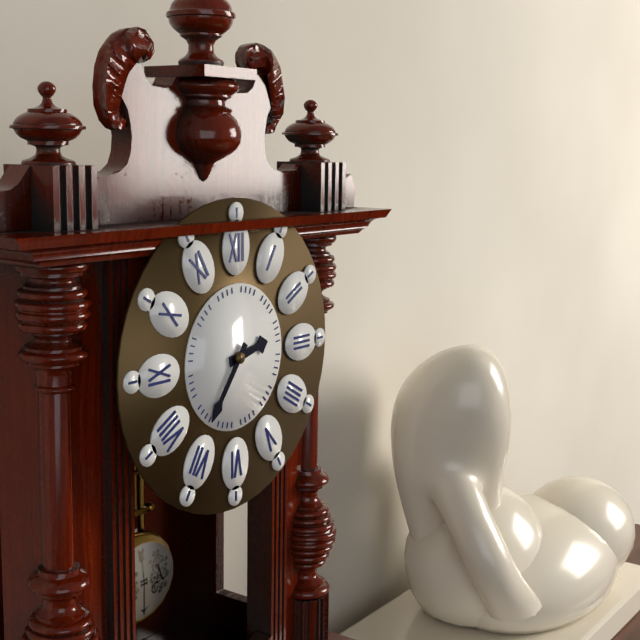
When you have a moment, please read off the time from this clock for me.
2:36
